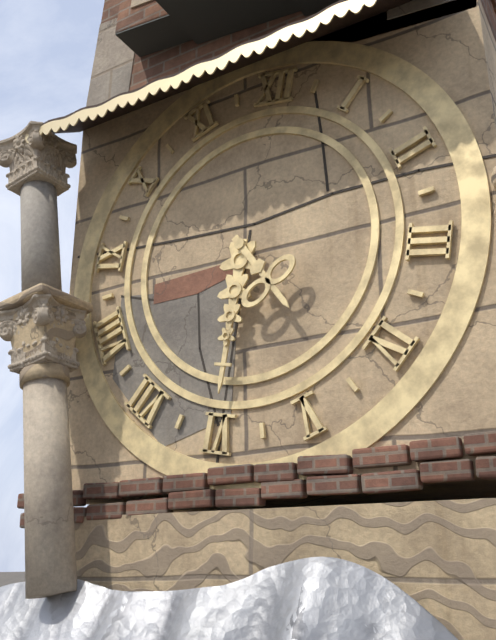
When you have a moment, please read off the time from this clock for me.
4:30
